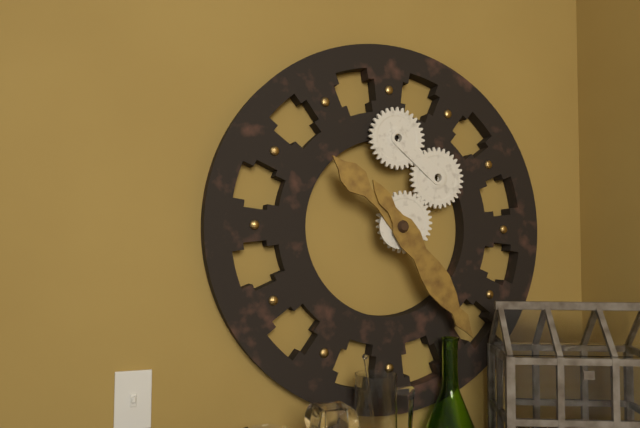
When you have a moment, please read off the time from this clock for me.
10:24
